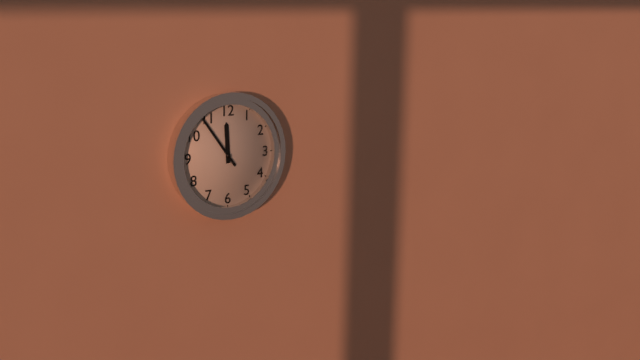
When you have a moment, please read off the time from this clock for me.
11:54
